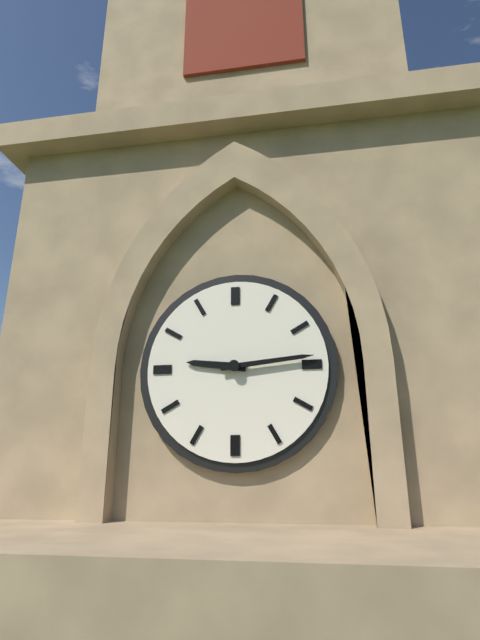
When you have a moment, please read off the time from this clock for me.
9:14
